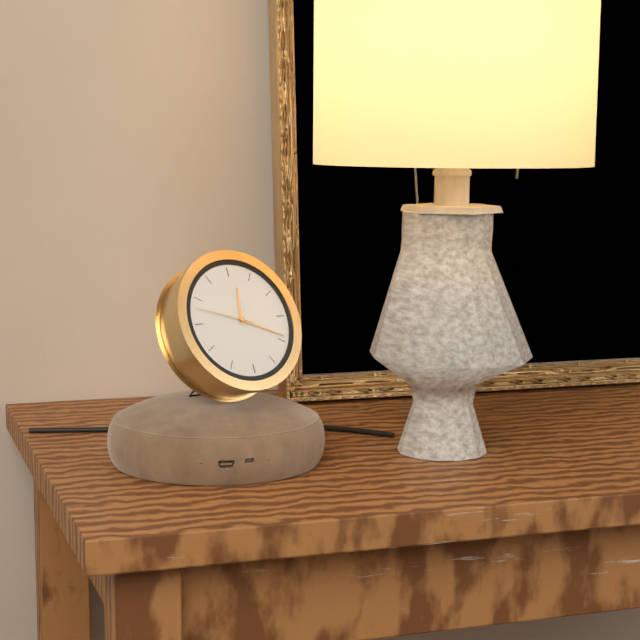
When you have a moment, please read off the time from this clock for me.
12:19:48
